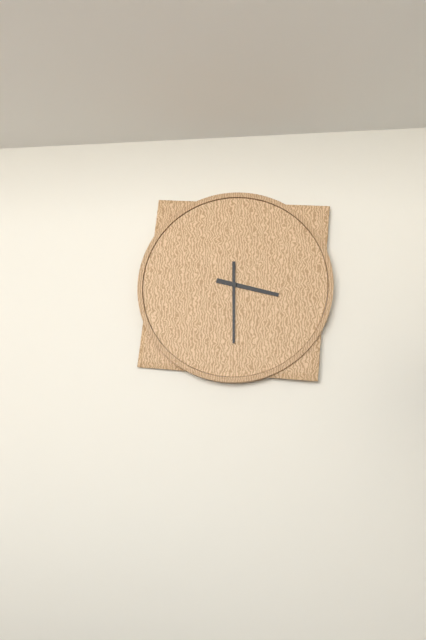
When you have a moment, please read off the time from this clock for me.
3:30
